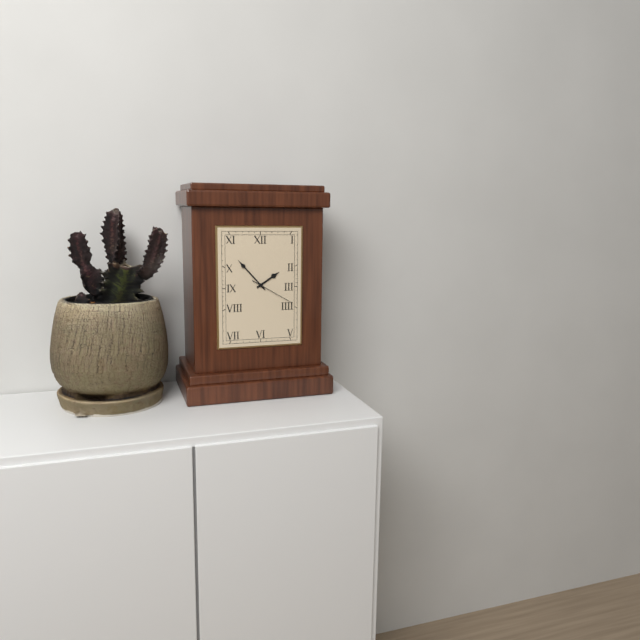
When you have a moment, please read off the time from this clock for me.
1:53:20
